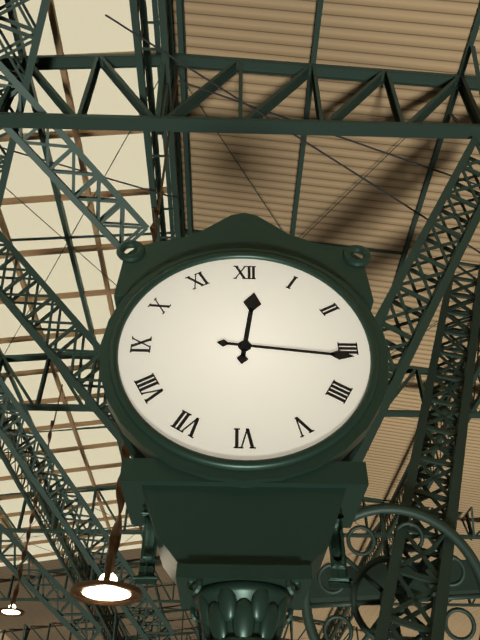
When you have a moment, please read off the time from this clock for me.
12:16
